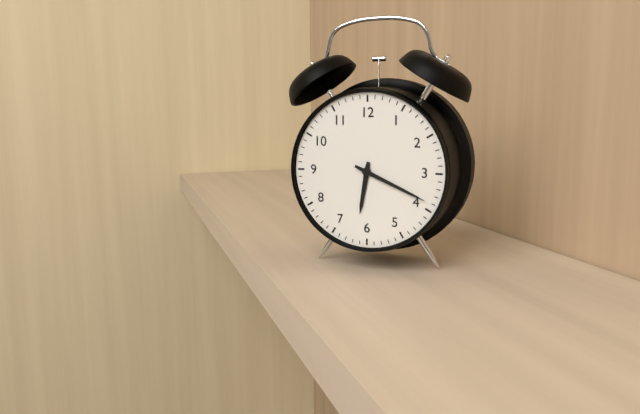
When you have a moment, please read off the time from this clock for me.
6:19
